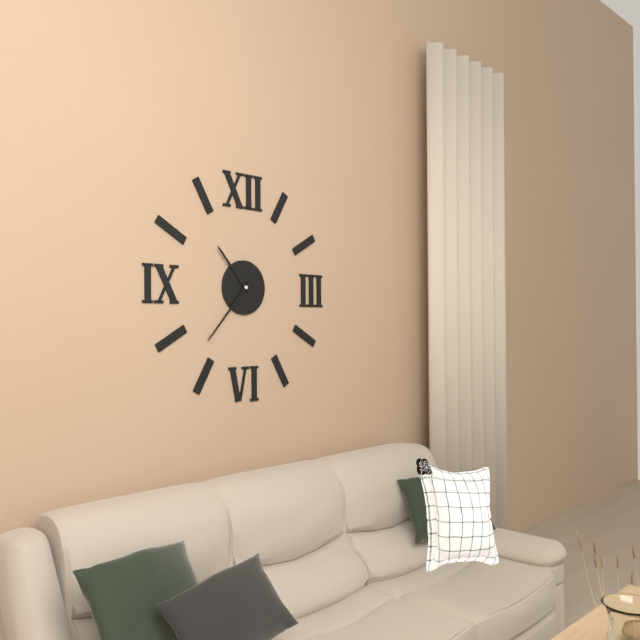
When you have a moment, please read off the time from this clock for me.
10:37
